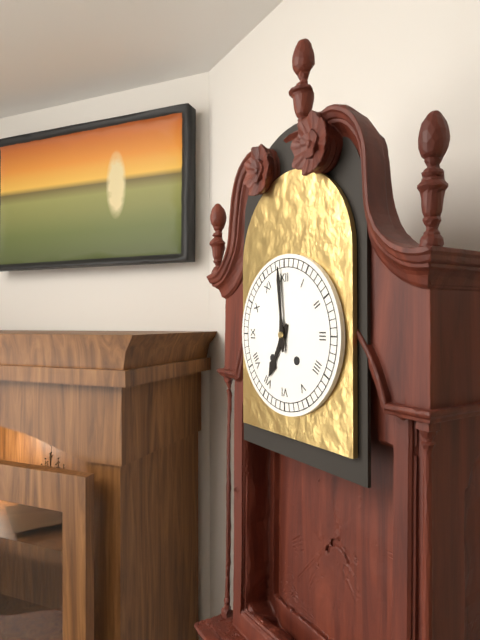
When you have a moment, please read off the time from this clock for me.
6:59
